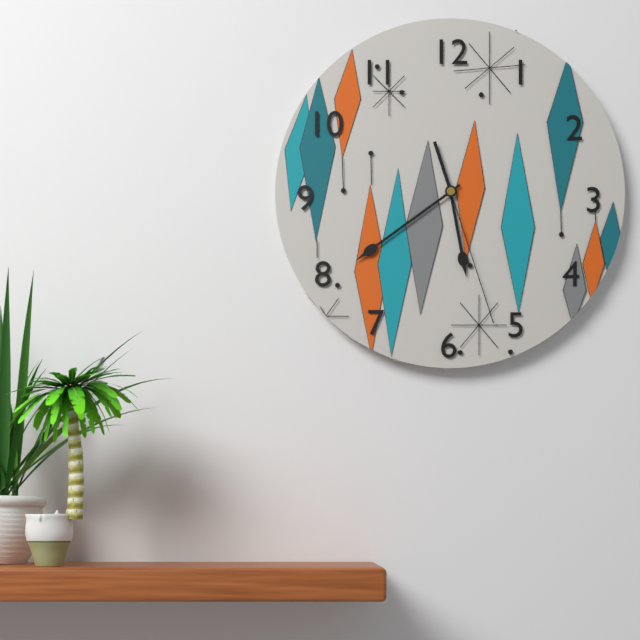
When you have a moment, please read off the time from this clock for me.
5:39:27
